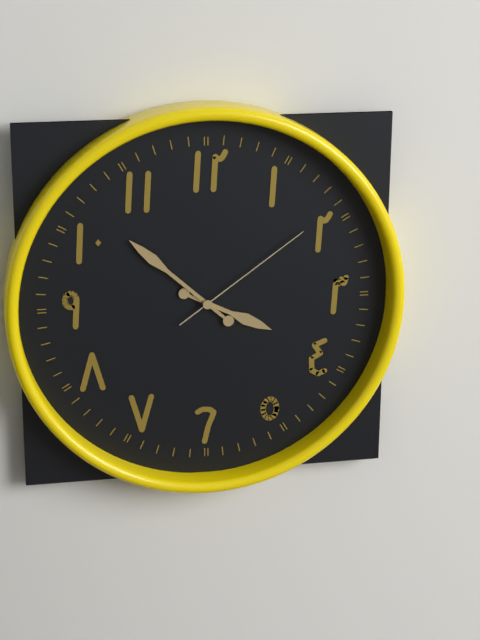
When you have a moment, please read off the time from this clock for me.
3:52:09
